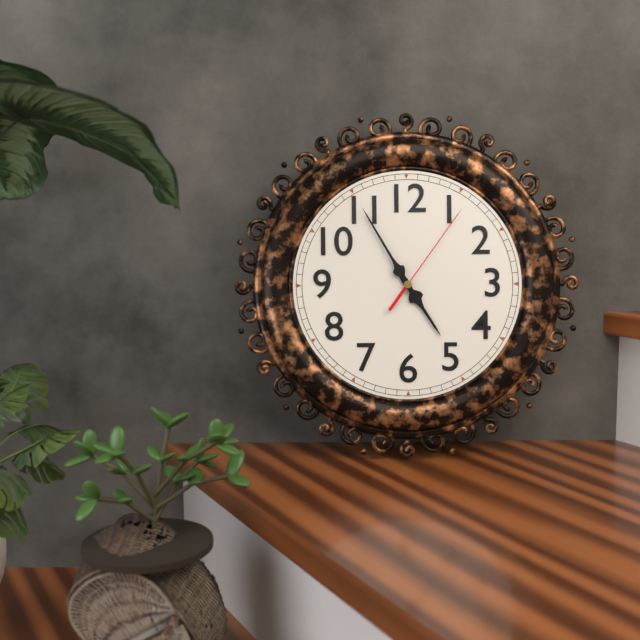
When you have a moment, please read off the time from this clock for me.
4:55:06
